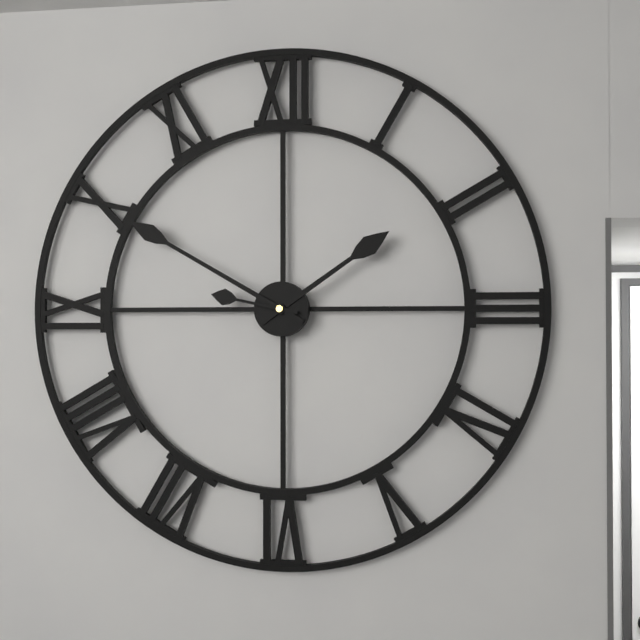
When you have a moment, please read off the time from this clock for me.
1:50:47
